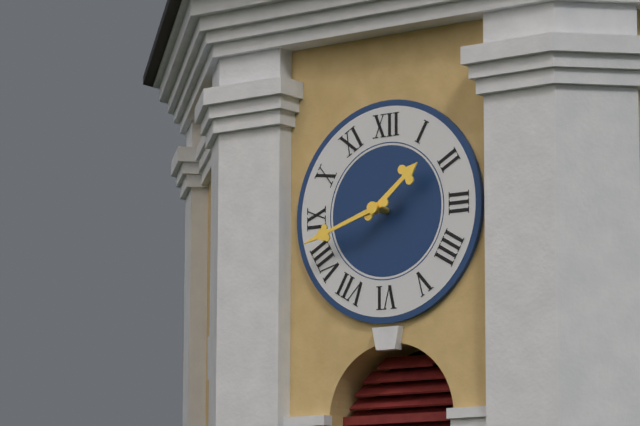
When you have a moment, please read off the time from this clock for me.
1:42
